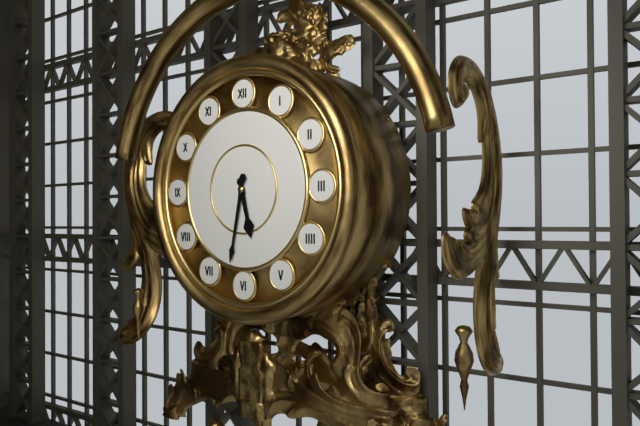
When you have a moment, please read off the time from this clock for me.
5:32
